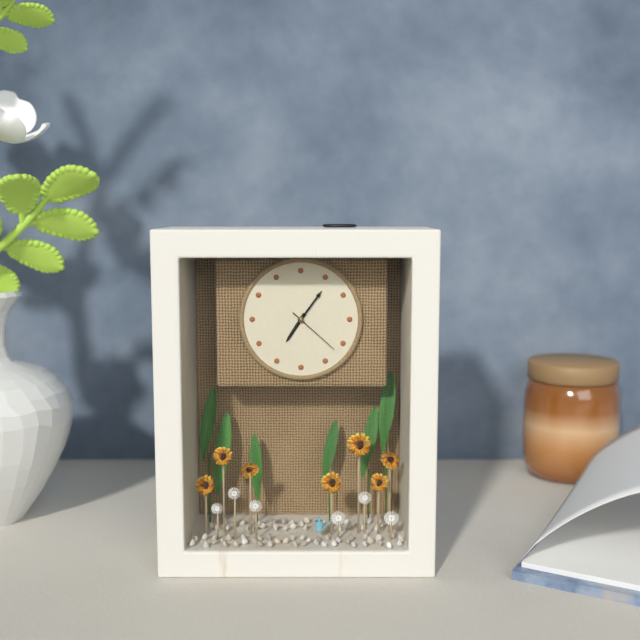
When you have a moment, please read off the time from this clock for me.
7:06:22
